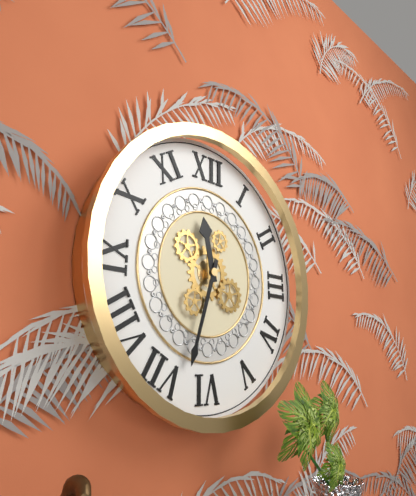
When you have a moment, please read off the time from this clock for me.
11:33
